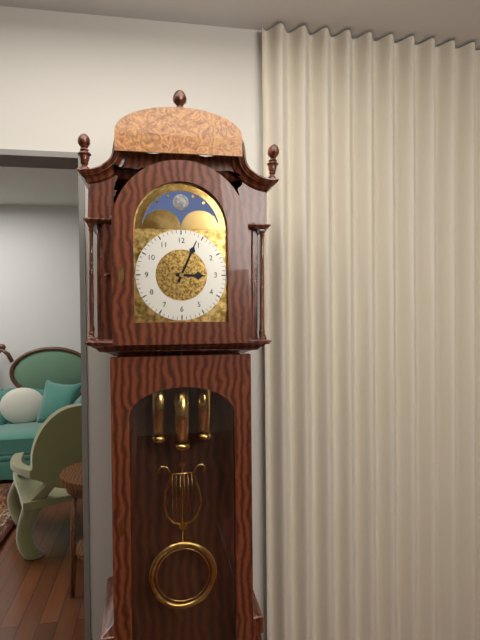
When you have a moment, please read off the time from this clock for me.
3:04
